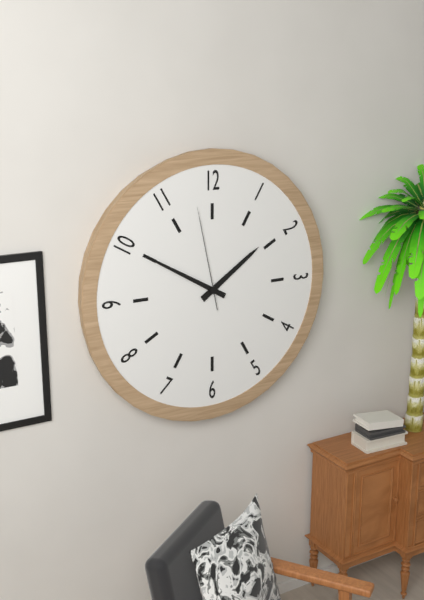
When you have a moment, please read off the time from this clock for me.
1:50:58
